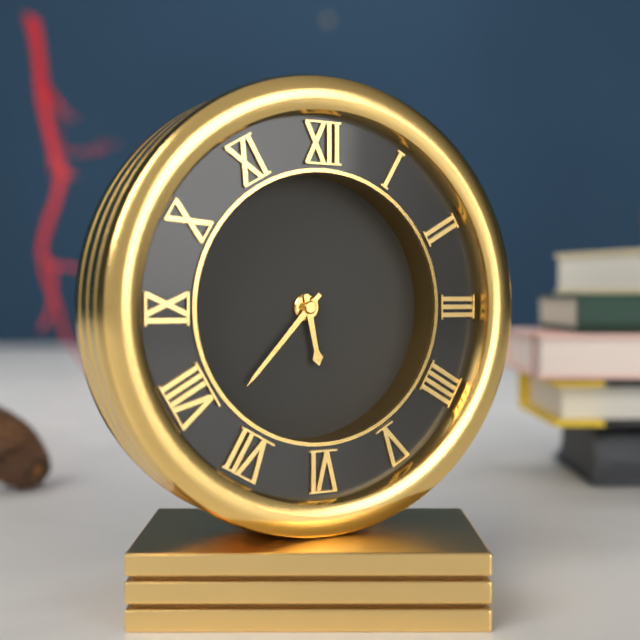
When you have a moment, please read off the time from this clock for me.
5:37
